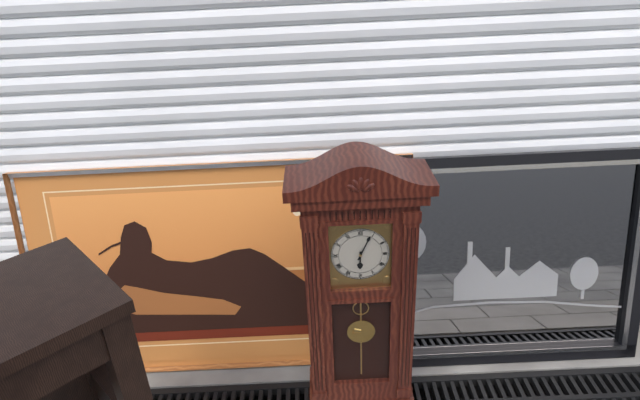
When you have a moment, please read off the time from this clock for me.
6:04
